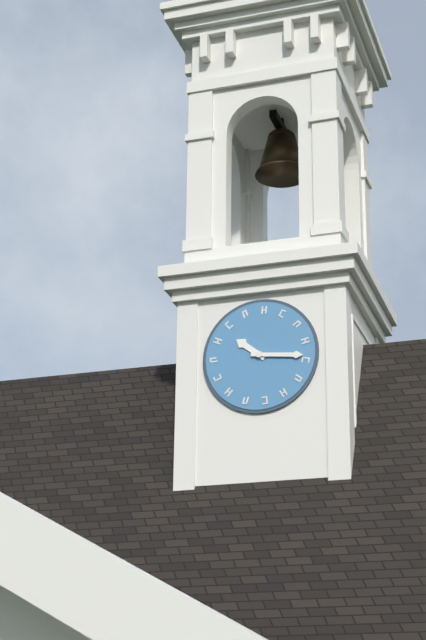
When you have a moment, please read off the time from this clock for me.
10:16
